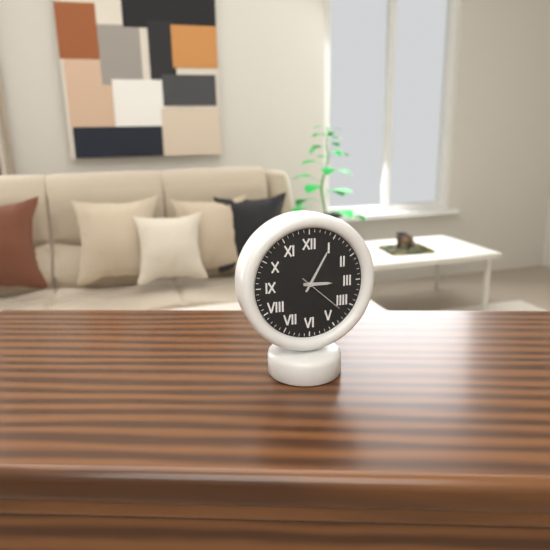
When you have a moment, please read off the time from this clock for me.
3:05
